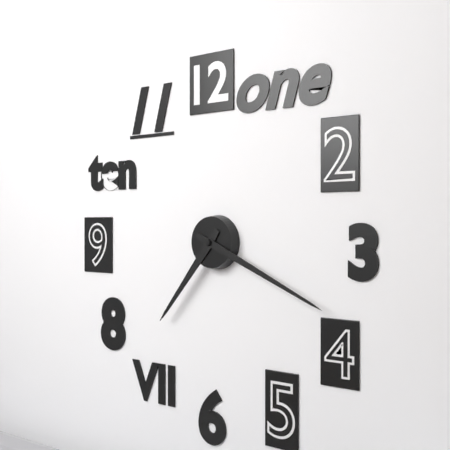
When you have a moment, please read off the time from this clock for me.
7:19
